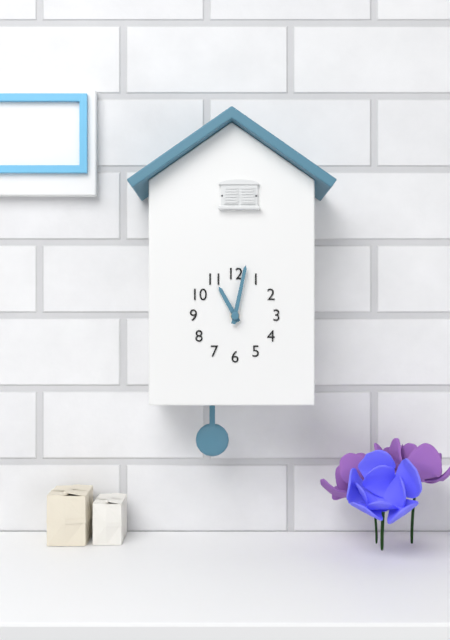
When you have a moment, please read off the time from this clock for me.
11:02
